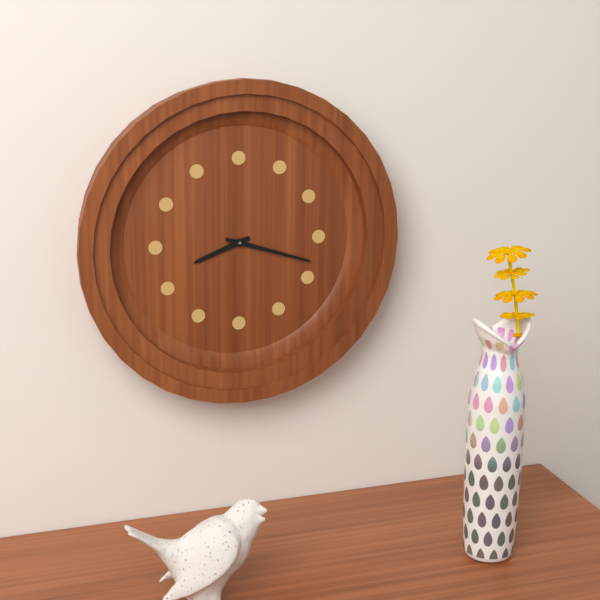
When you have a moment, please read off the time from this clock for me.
8:18
